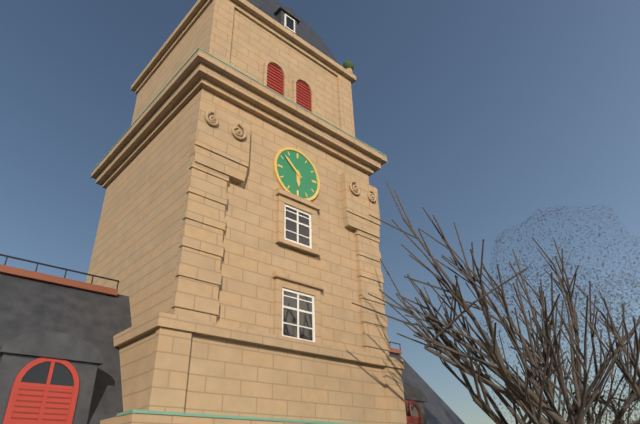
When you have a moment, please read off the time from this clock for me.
5:52
